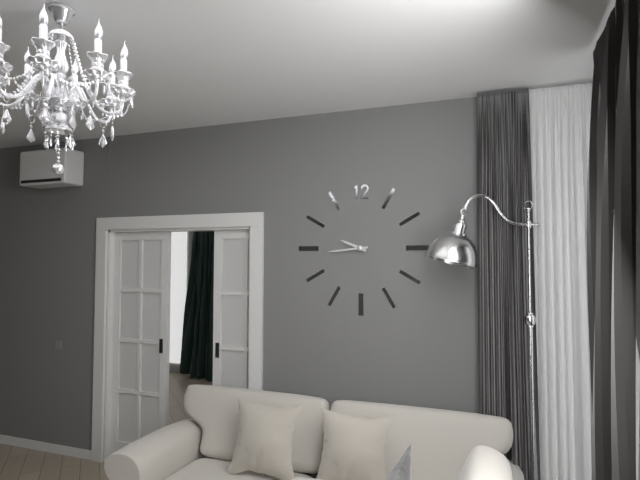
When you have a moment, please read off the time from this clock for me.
9:44
